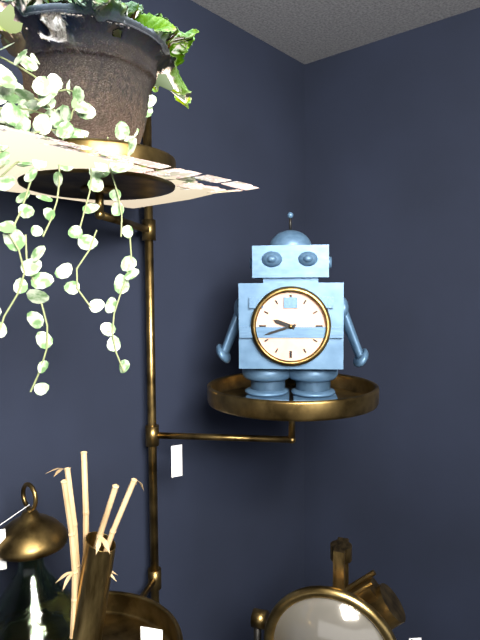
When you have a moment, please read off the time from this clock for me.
9:42
